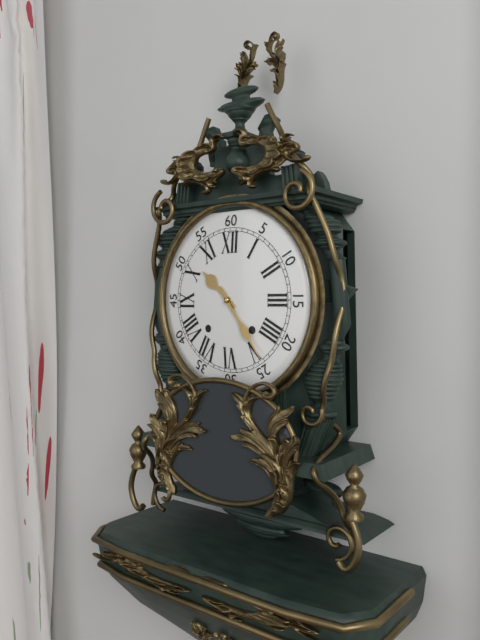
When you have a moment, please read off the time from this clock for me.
10:24
